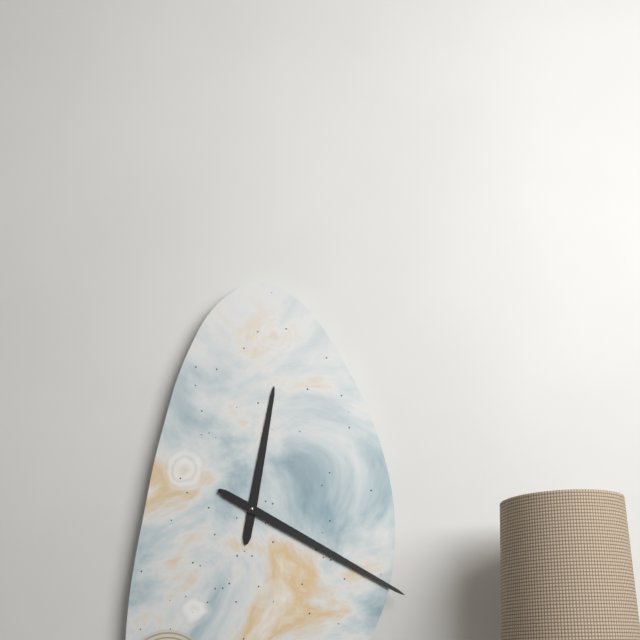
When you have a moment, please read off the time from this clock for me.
12:20
